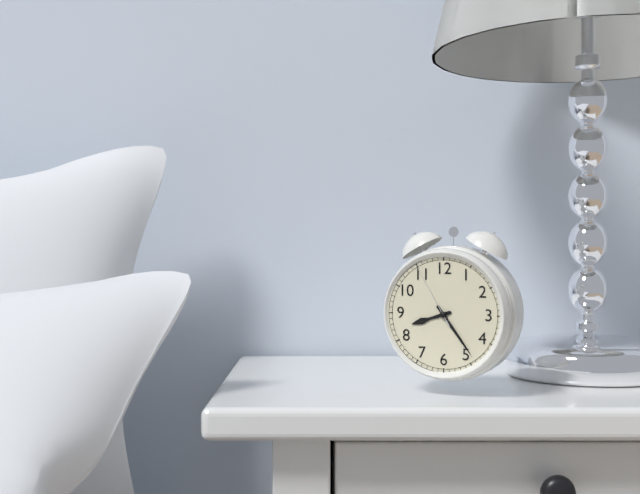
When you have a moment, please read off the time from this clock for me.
8:24:55
